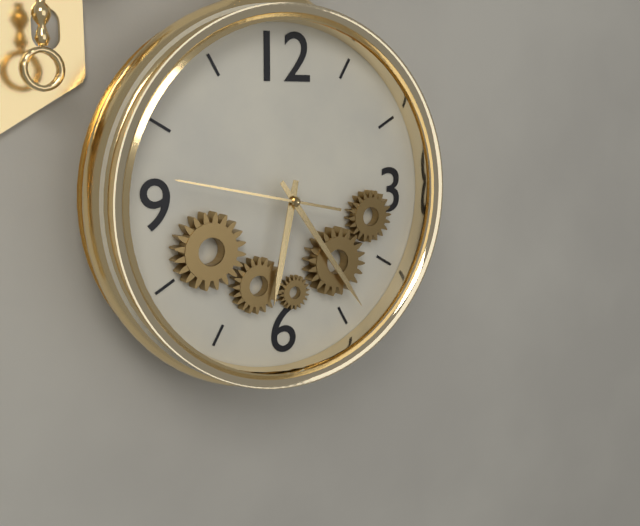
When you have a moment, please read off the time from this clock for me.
6:24:47
